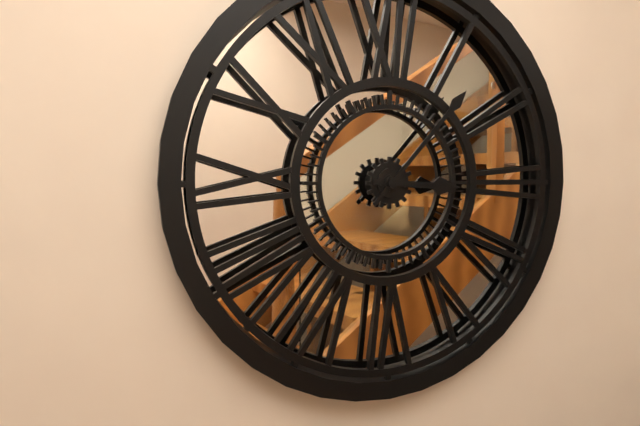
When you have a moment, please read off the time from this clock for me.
3:07
